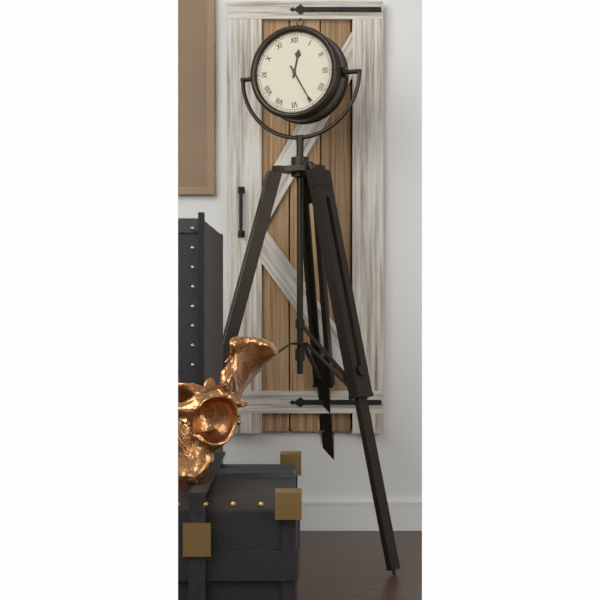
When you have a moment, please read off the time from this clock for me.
12:25
